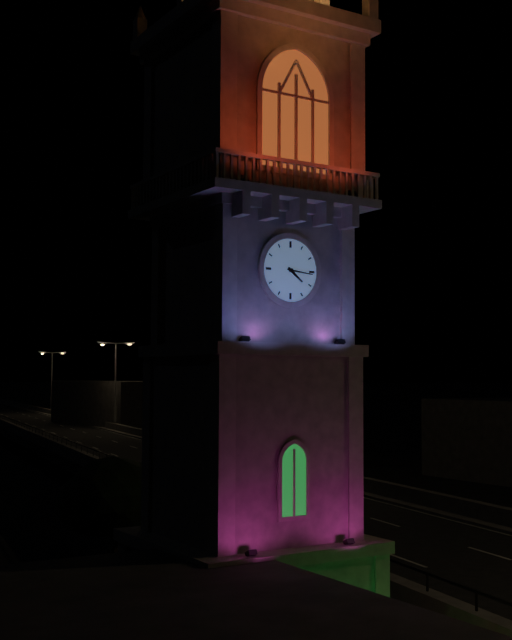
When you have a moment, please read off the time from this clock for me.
4:16
